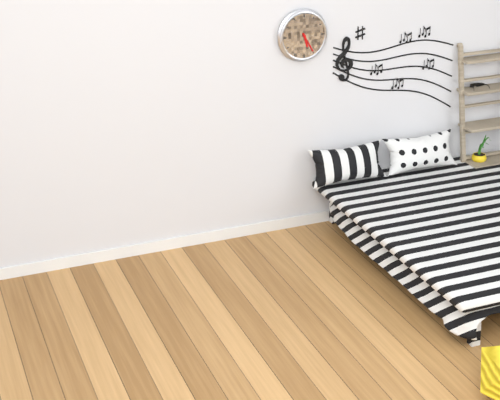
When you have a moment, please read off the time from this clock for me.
5:25
